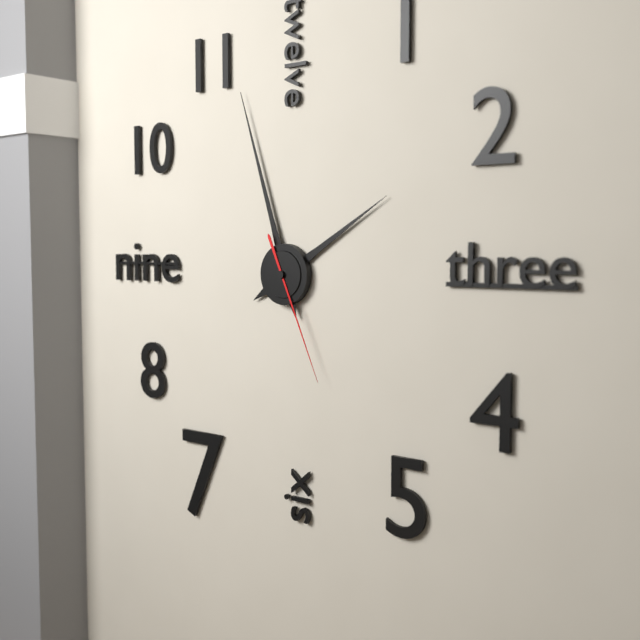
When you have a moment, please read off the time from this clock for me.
1:57:26
